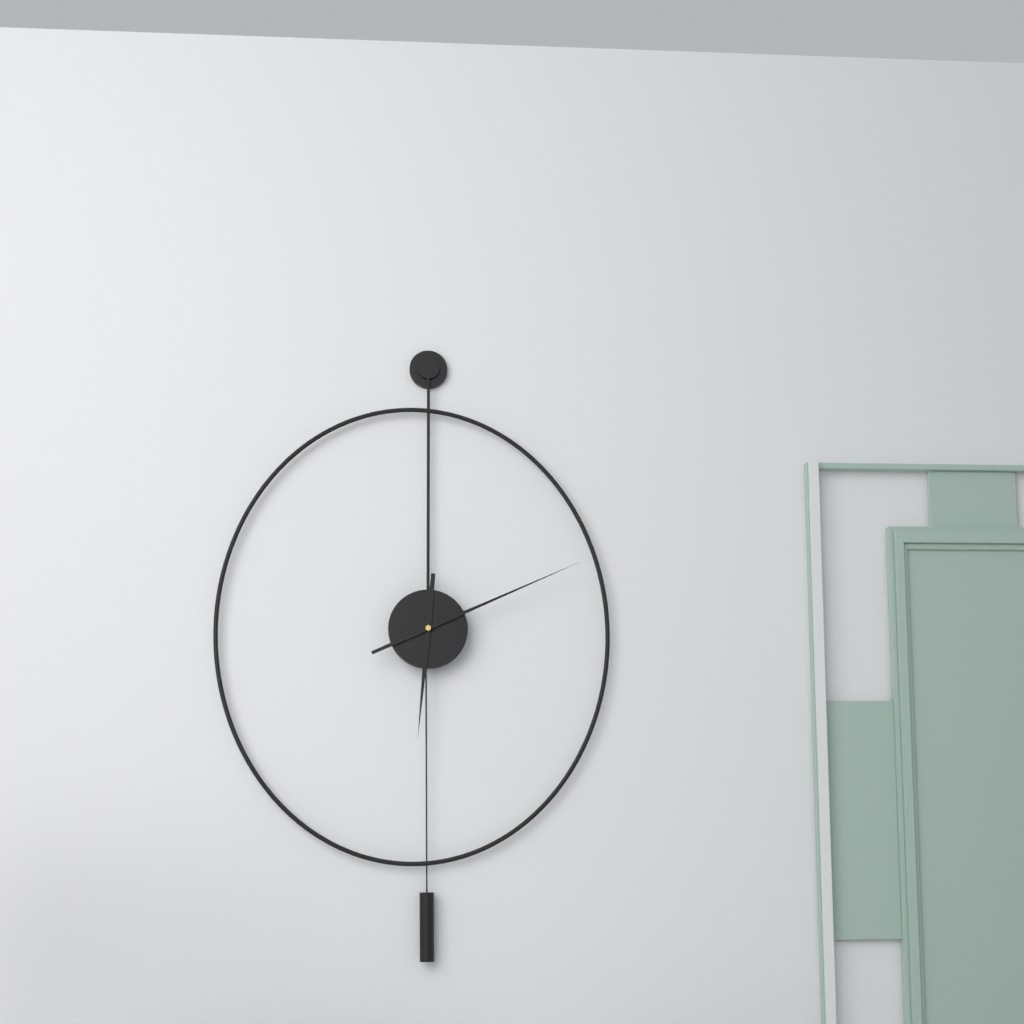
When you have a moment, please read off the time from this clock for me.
6:11
